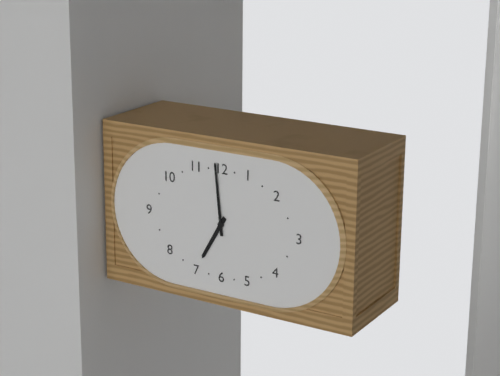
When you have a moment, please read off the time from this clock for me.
6:59
